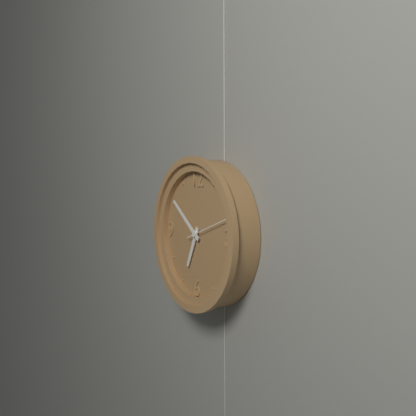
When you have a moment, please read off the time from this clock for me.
6:51
